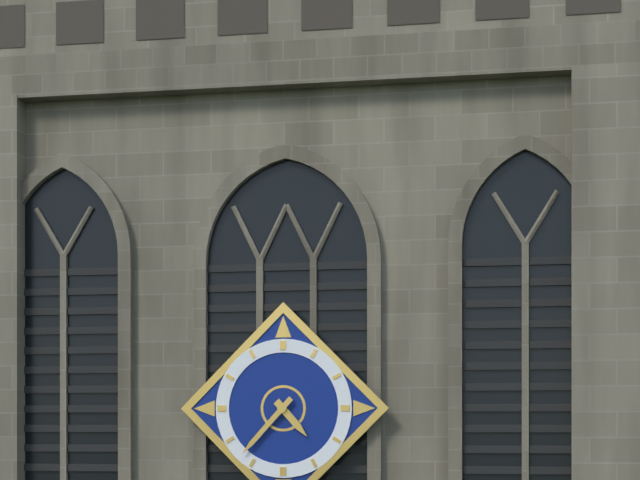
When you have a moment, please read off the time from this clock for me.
4:37
